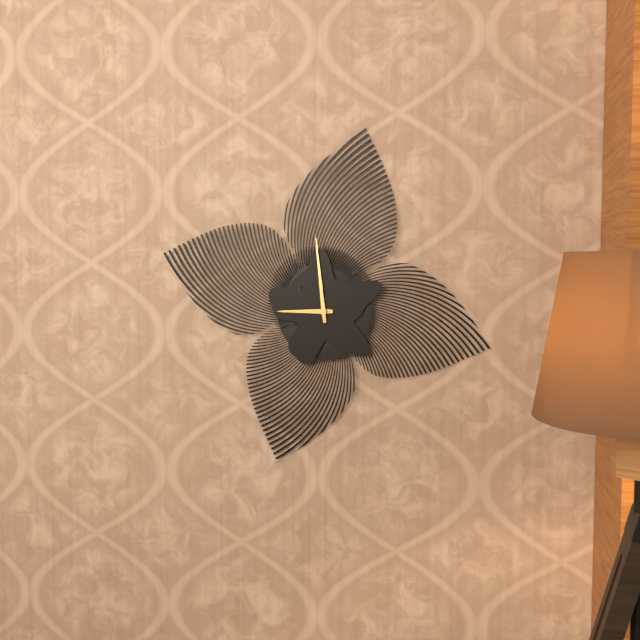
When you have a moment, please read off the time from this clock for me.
8:59
